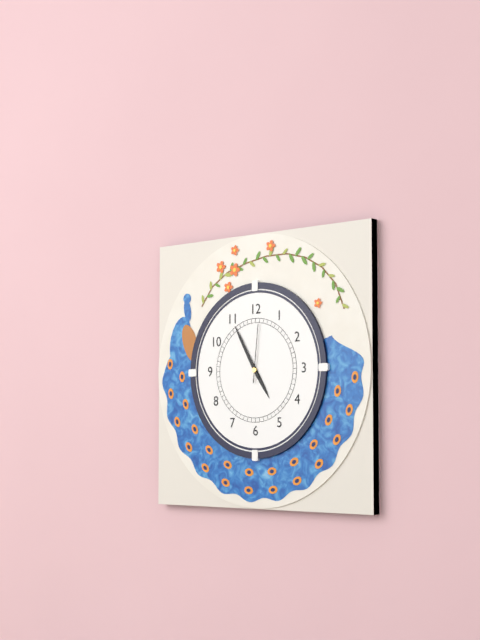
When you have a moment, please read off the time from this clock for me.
4:55:01
